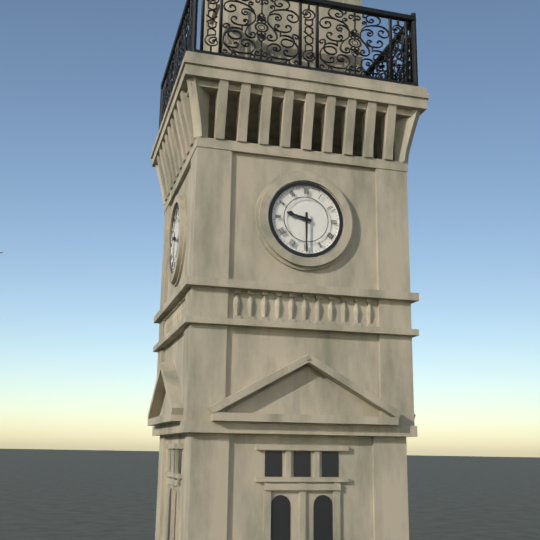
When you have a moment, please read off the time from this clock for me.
9:30
